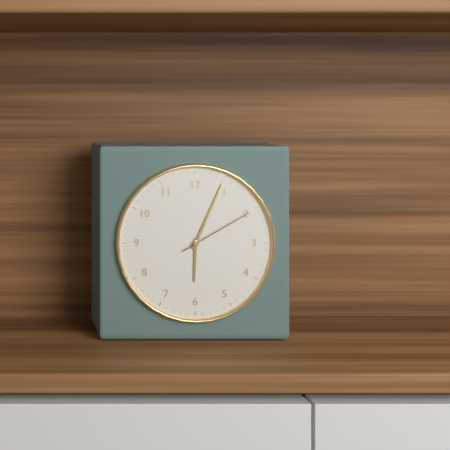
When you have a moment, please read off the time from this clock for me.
6:04:10
